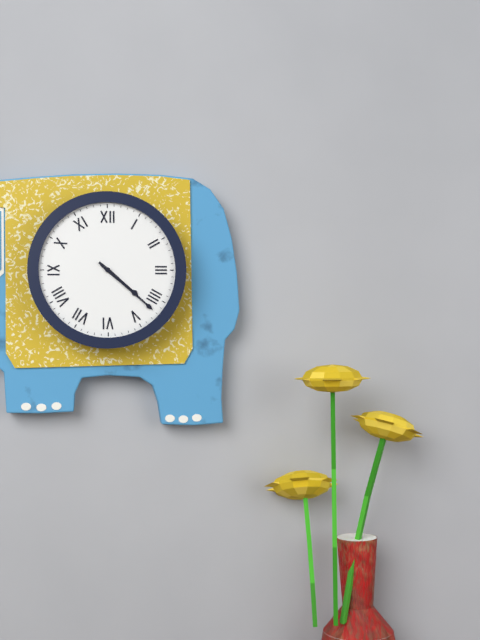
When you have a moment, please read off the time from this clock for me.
4:22
